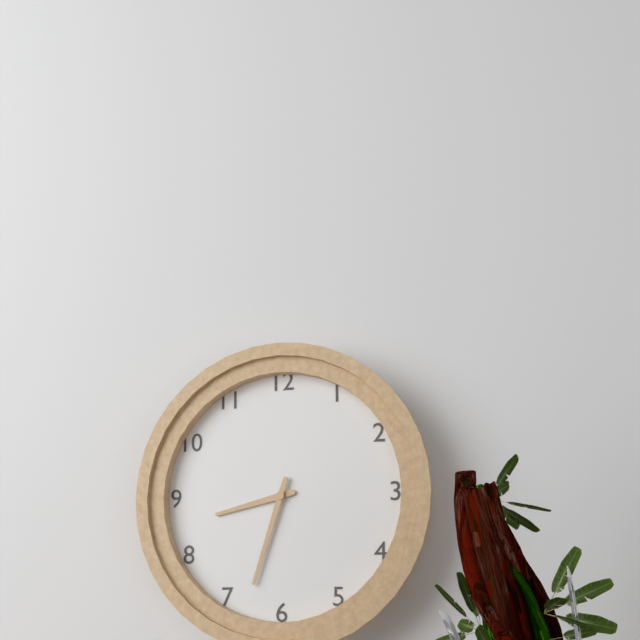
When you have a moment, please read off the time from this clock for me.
8:33
